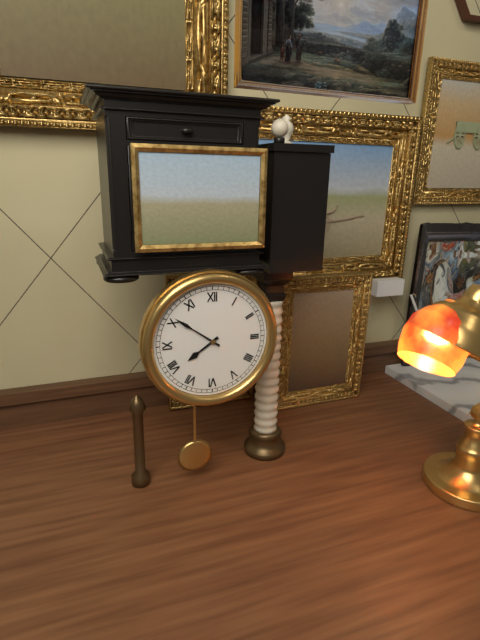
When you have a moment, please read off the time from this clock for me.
7:51
